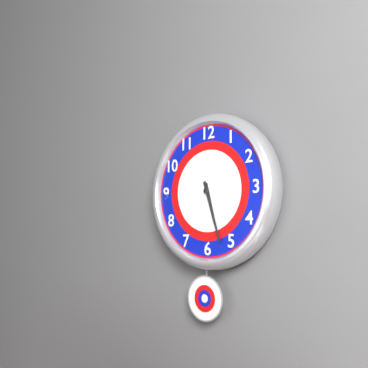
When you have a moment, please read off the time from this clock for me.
5:27
